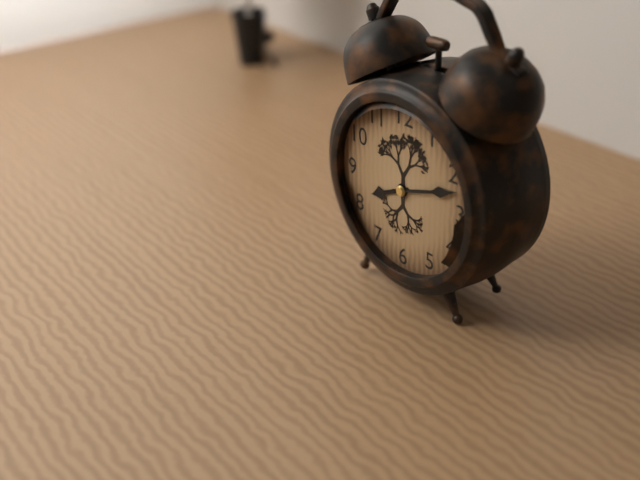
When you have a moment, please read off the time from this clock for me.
8:12
